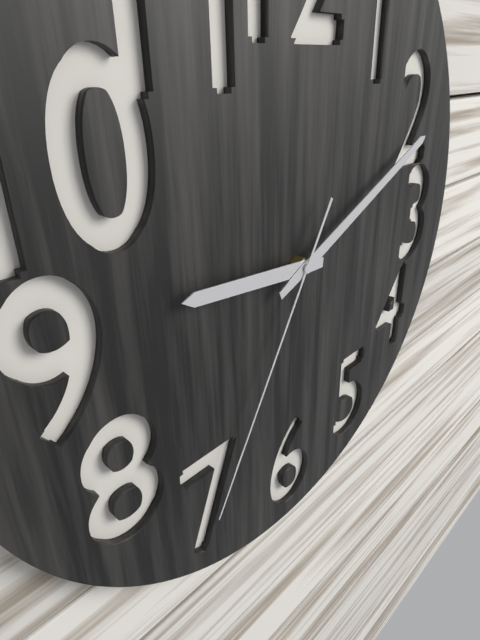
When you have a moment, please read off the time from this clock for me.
9:11:35
